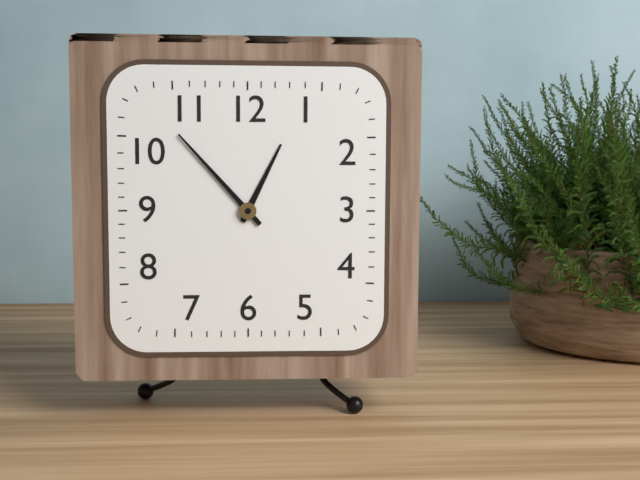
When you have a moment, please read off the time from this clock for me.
12:53
